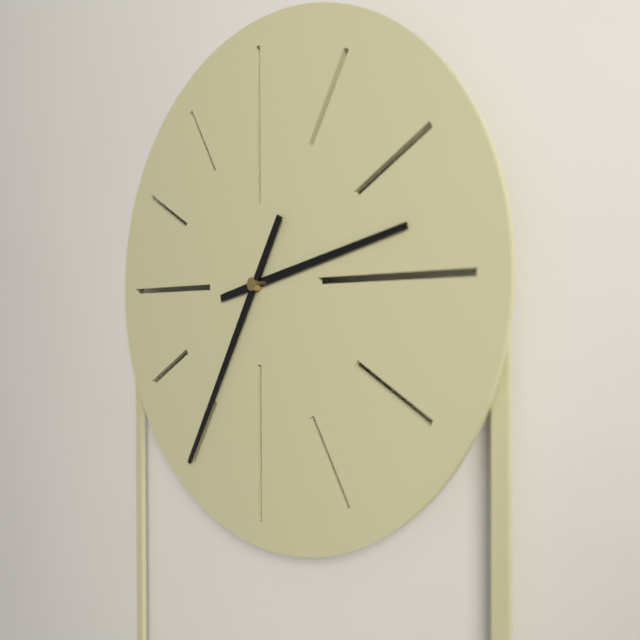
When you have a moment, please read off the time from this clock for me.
2:35
